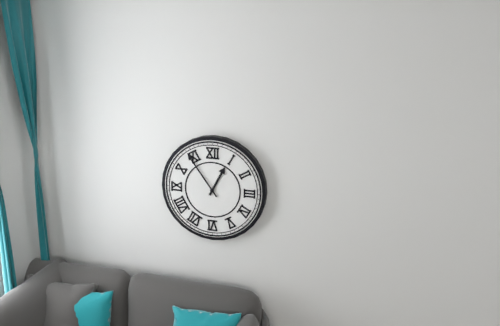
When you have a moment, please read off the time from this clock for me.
12:54
